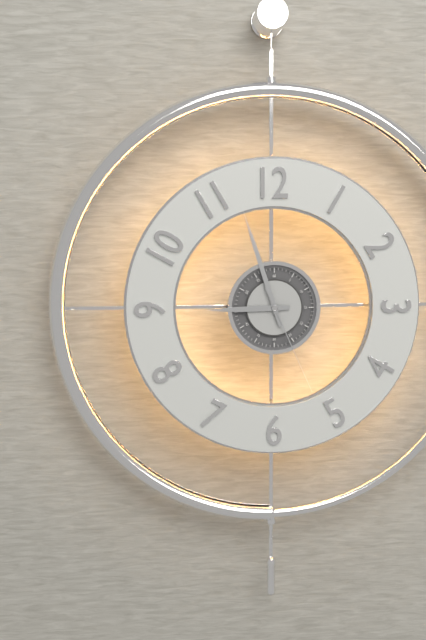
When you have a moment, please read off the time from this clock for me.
8:57:26
